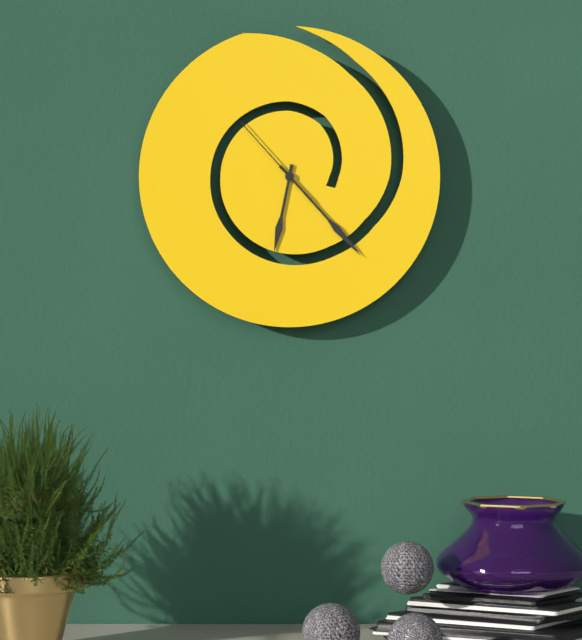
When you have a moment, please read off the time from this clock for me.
6:23:53
